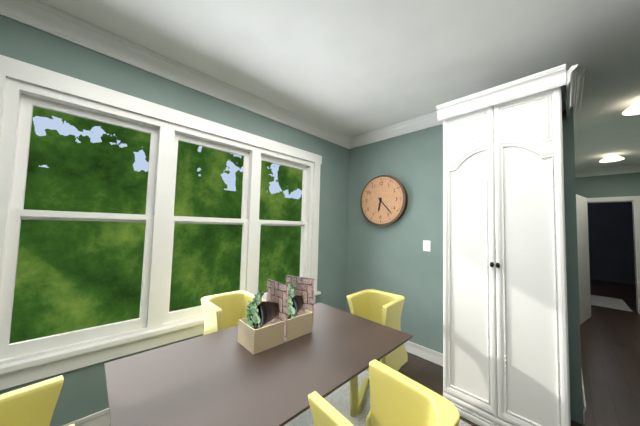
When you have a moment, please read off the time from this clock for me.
6:23
